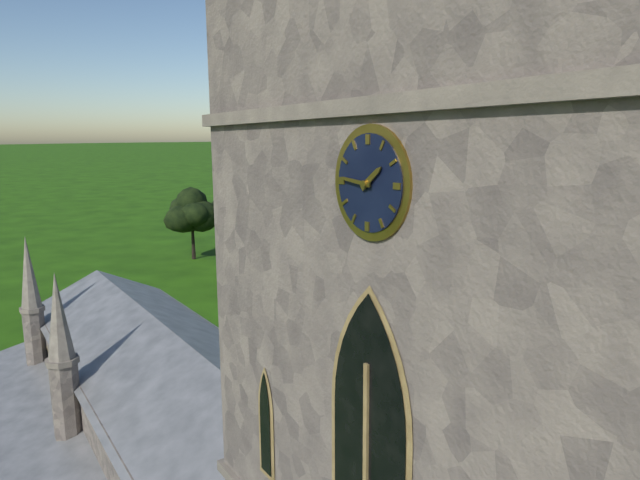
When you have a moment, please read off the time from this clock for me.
1:46
